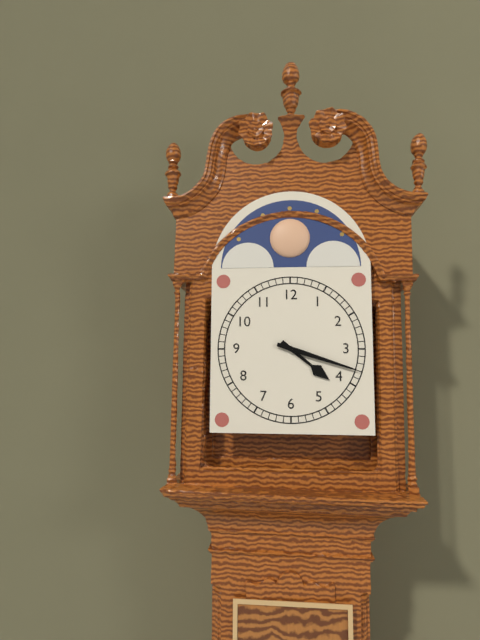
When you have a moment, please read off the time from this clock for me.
4:18
